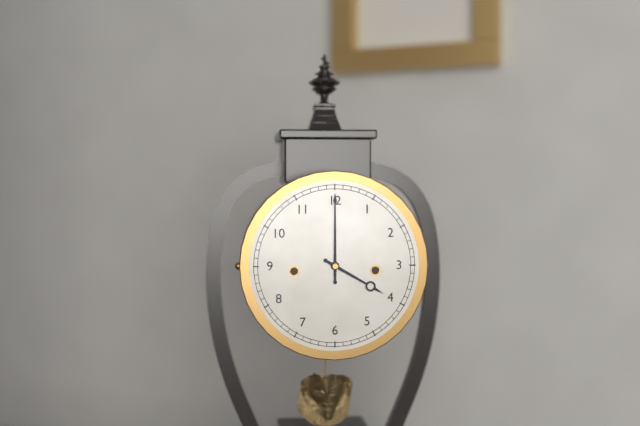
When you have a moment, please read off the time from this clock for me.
4:00
